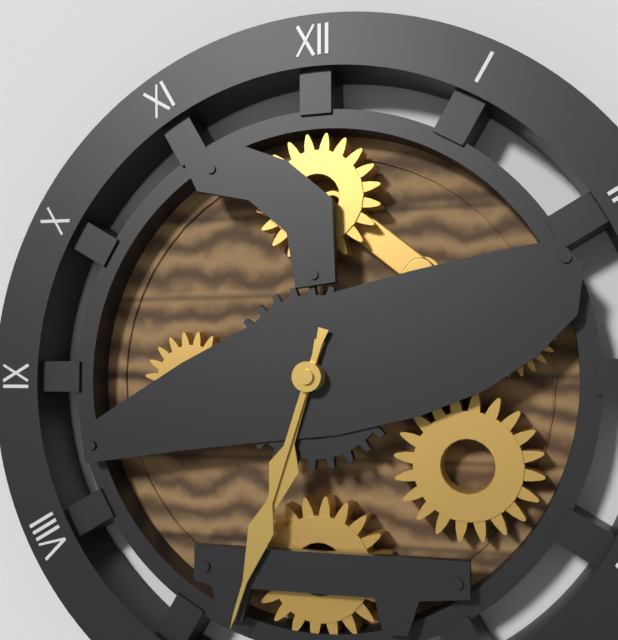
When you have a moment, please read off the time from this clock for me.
6:33
